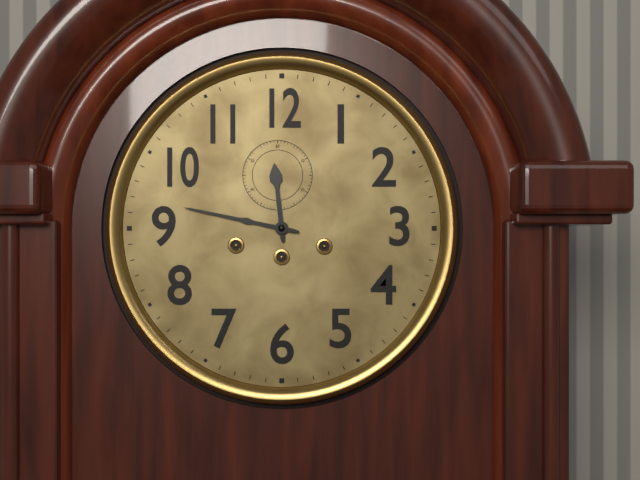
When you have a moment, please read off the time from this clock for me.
11:47
